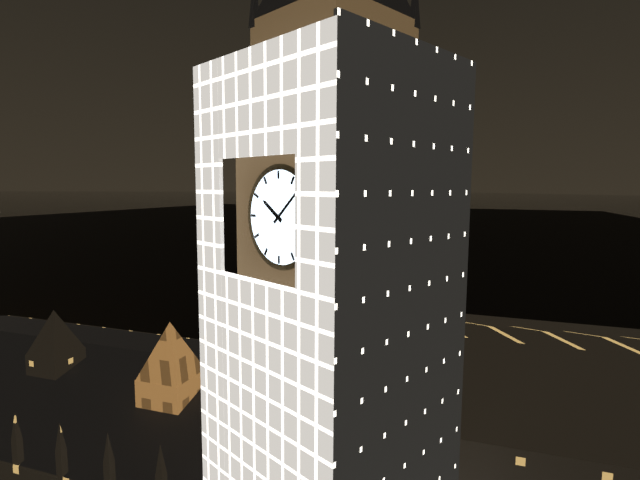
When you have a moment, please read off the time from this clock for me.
10:08
